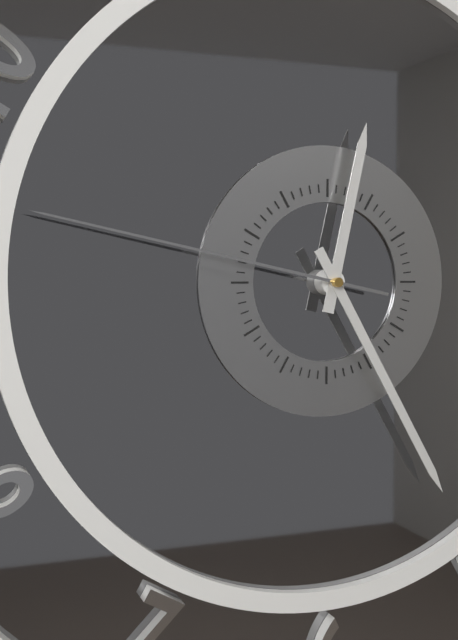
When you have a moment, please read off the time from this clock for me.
12:25:47
